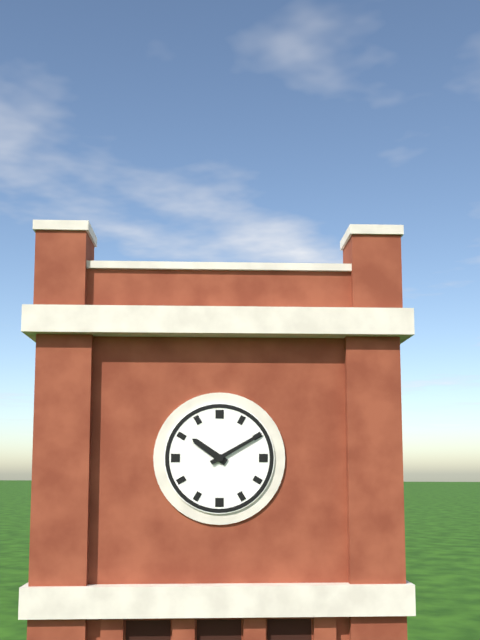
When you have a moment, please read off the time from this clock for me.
10:10
